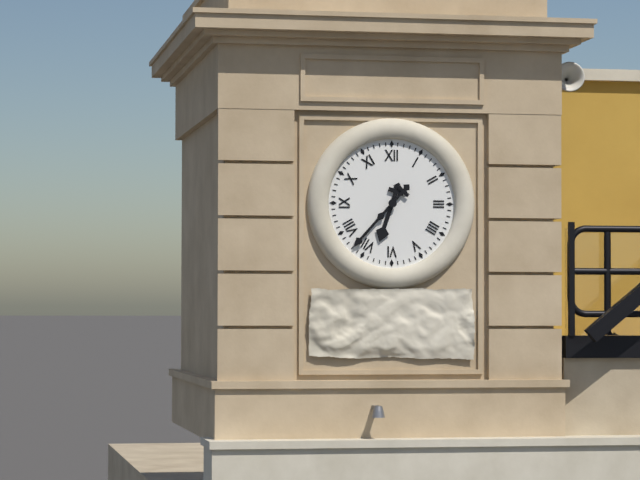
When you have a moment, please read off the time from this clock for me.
6:37
